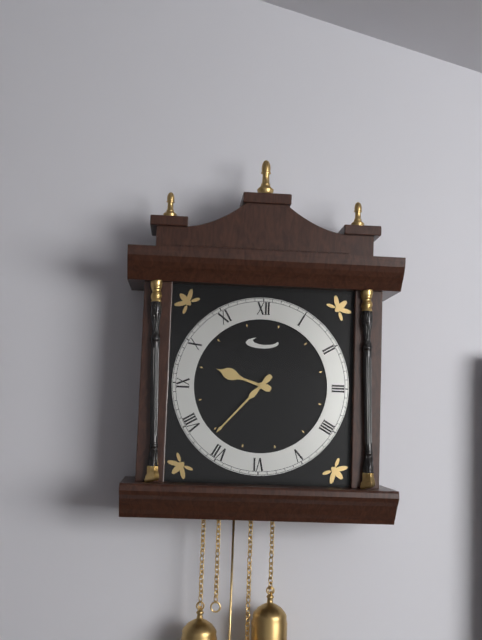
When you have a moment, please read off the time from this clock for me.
9:37
